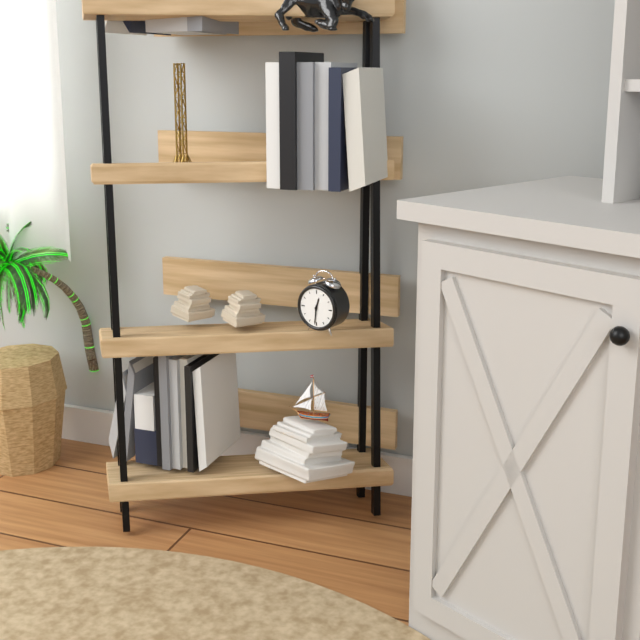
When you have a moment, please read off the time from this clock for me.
12:31
